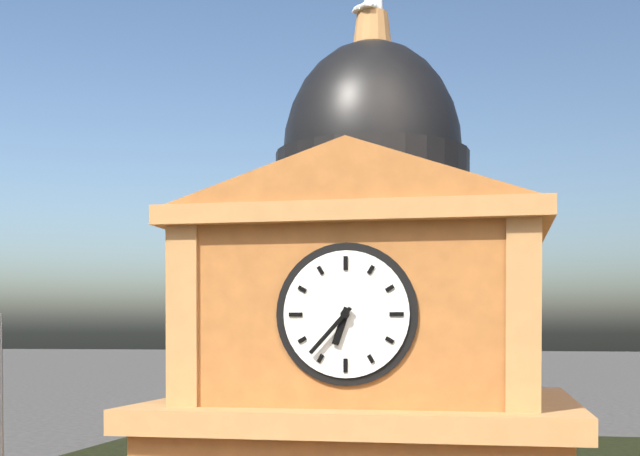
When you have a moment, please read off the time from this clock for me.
6:37
